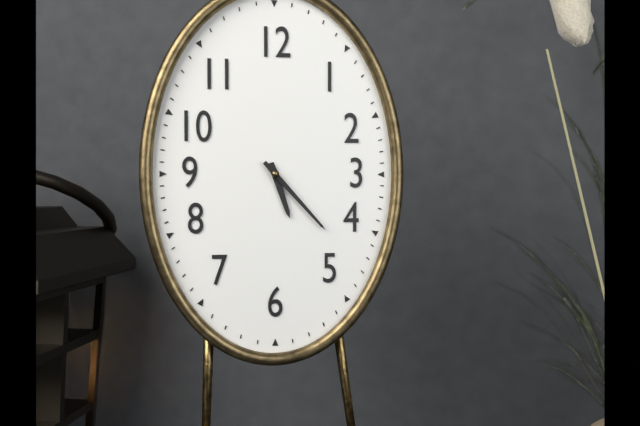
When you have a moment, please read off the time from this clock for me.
5:23
